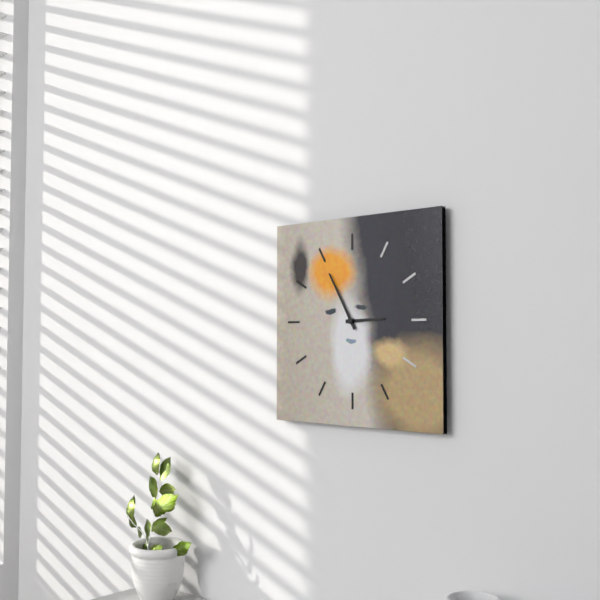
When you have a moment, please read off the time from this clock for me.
2:55
